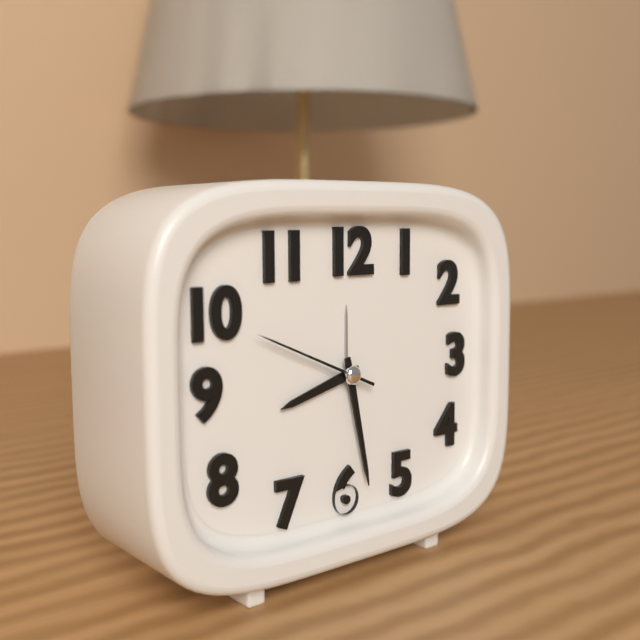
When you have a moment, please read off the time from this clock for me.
8:28:49
